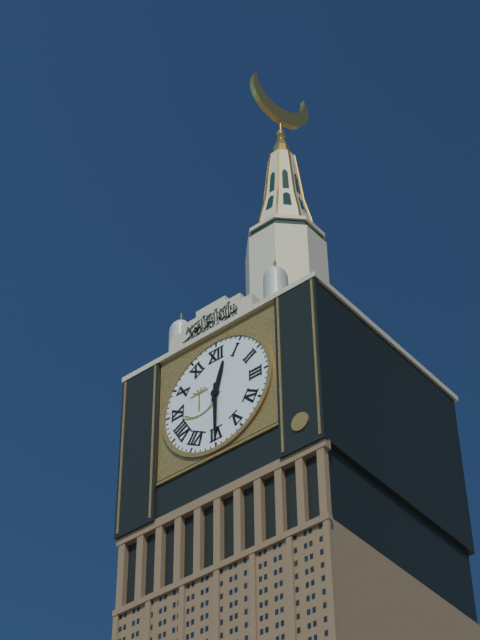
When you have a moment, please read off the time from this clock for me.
12:30
